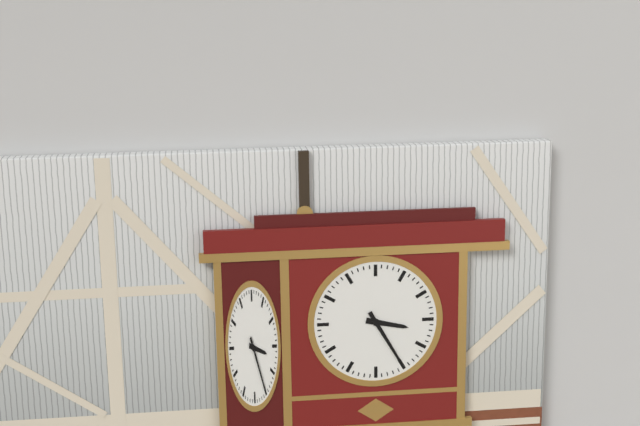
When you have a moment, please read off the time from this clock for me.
3:25
